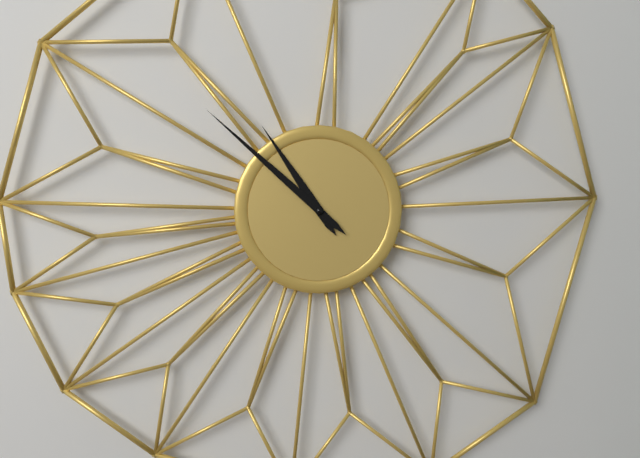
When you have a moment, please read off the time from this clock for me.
10:52
